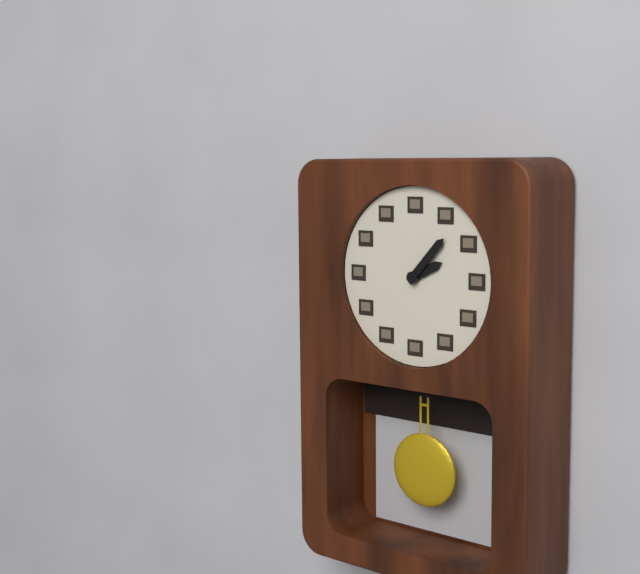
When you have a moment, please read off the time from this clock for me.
2:07
